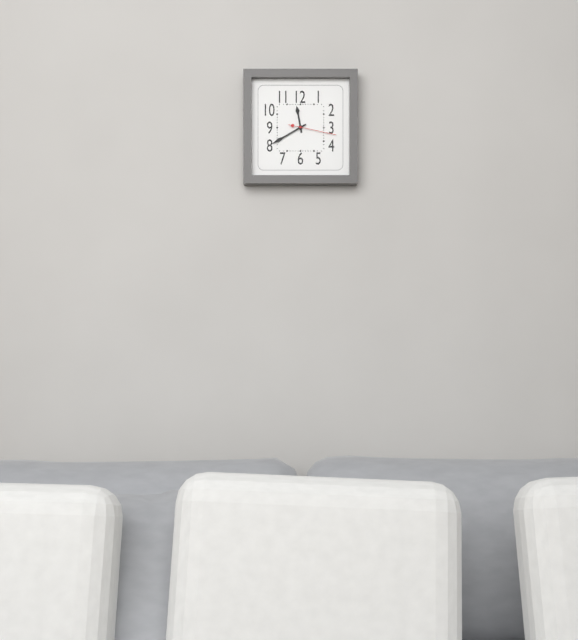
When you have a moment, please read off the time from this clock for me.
11:40
